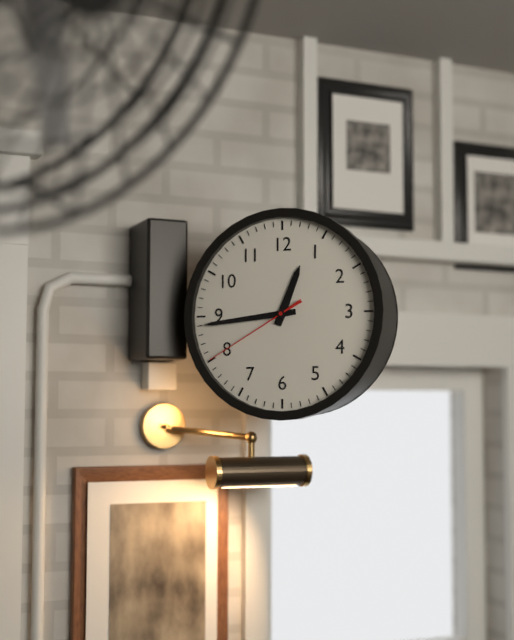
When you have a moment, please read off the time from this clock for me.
12:44:40
